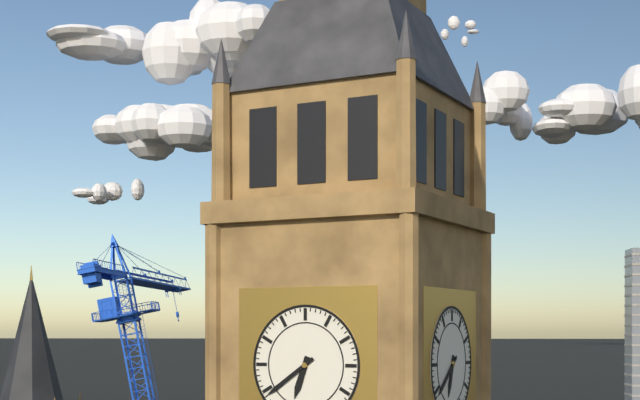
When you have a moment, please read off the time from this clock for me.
6:39
